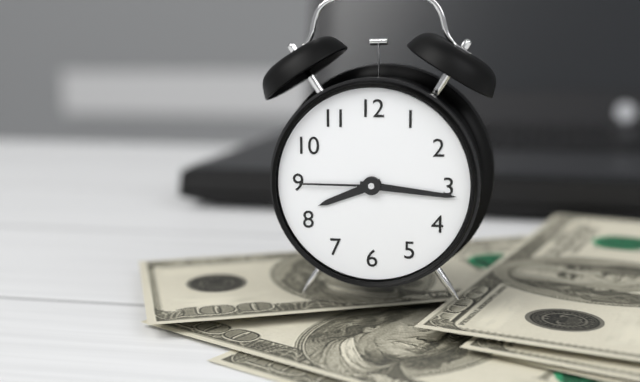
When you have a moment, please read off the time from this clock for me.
8:16:45
